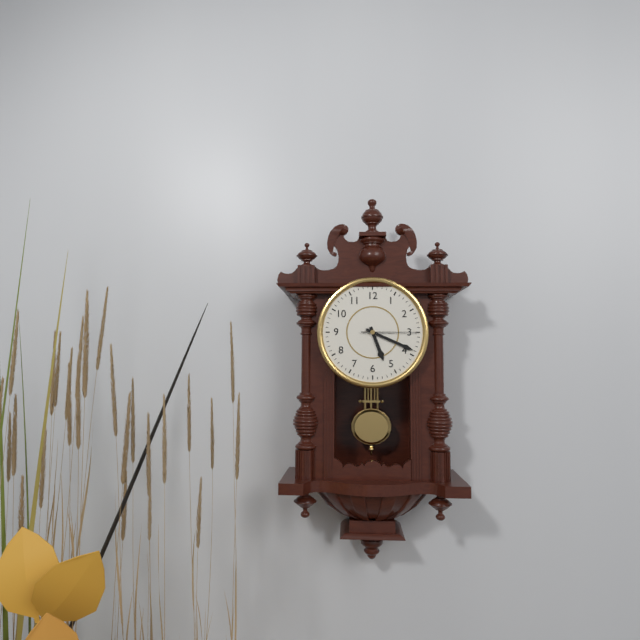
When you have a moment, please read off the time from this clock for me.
5:19:15
